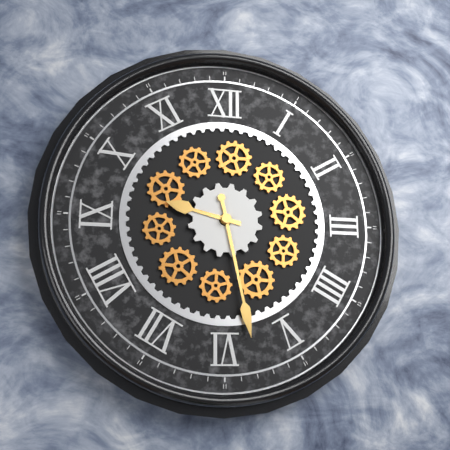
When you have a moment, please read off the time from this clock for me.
9:28
